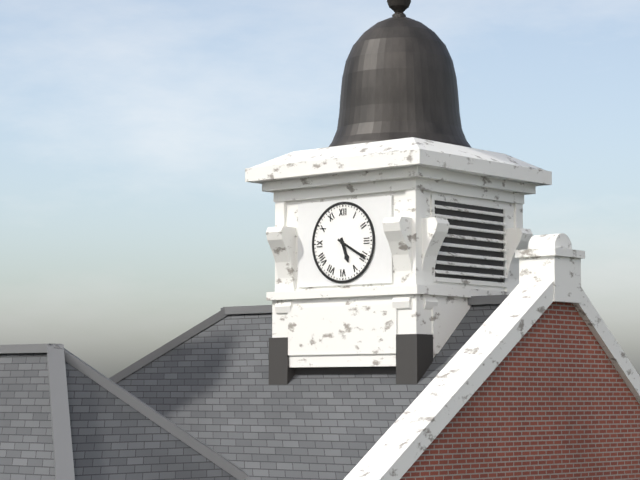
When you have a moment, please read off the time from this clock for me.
5:20
